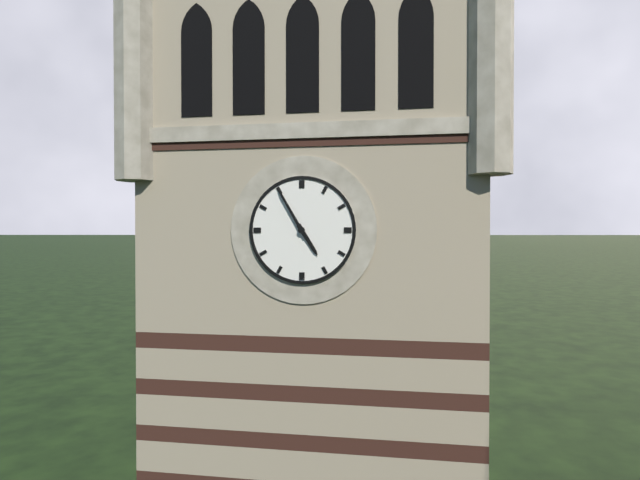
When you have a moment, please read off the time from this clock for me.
4:55
